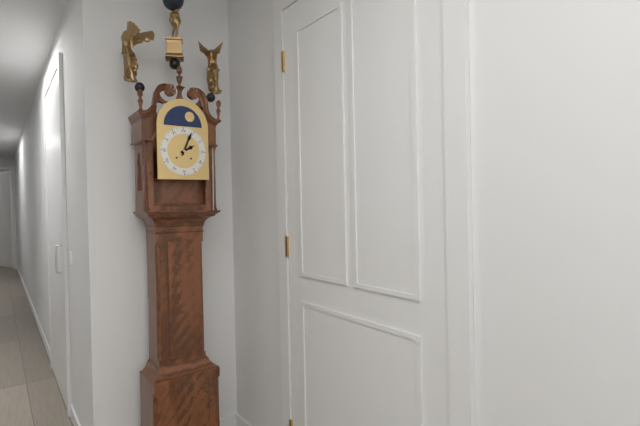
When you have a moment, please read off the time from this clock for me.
2:04
